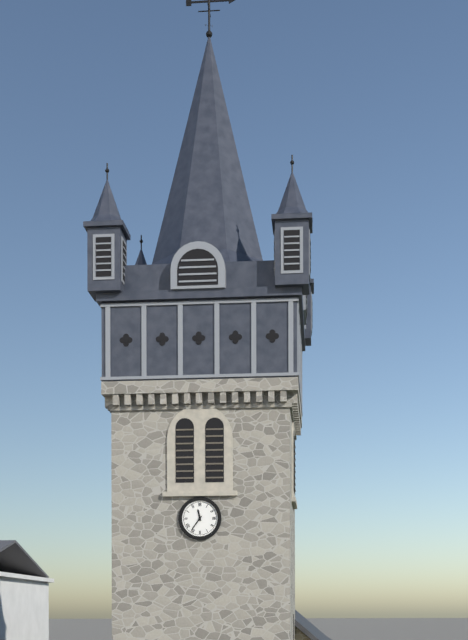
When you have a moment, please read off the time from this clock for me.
11:36
